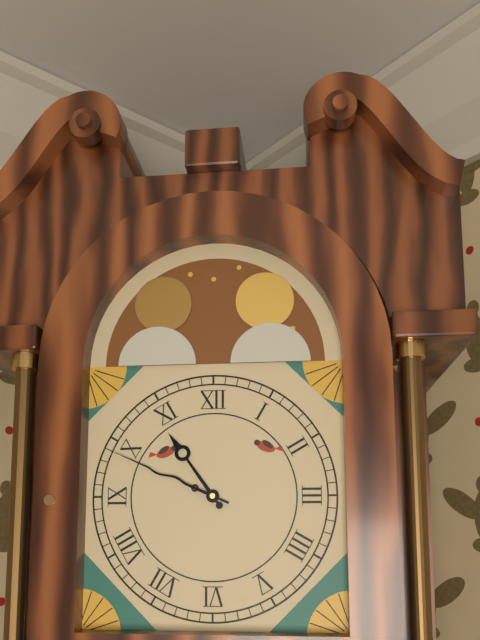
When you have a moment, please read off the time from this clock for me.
10:49
